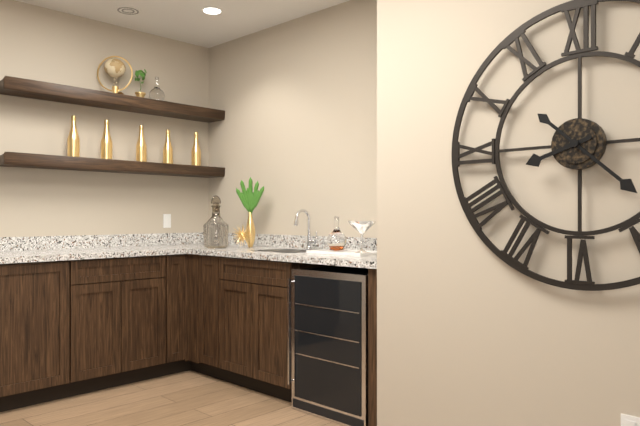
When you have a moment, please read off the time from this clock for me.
8:22
